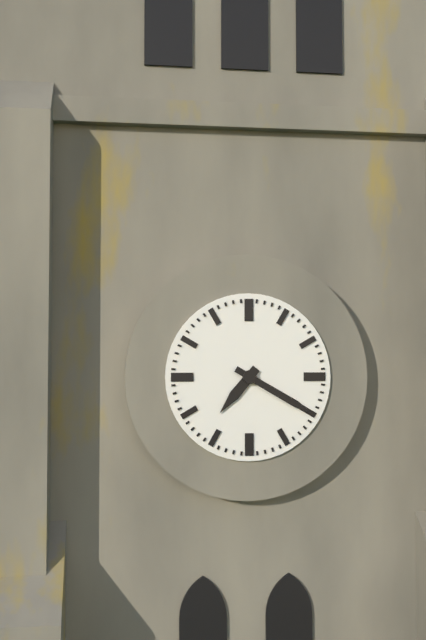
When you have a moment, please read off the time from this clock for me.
7:20
